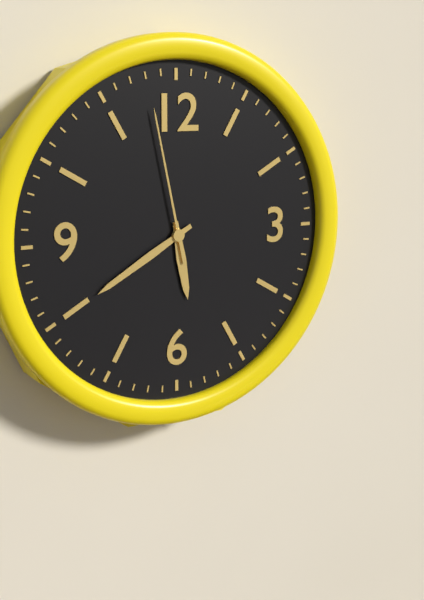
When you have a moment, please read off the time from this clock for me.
5:40:58
